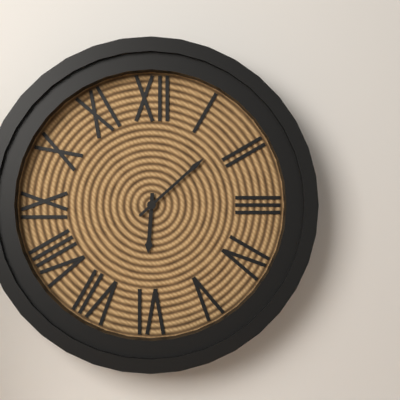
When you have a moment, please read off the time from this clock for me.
6:08
